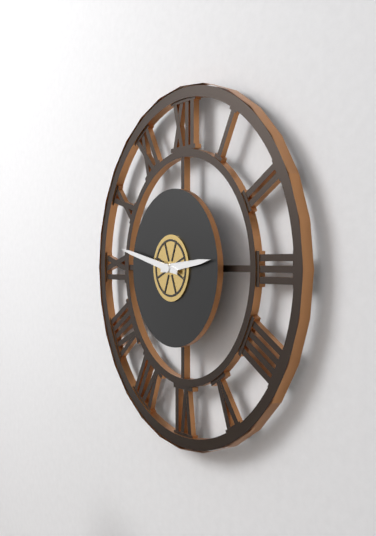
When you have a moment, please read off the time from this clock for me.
2:47
